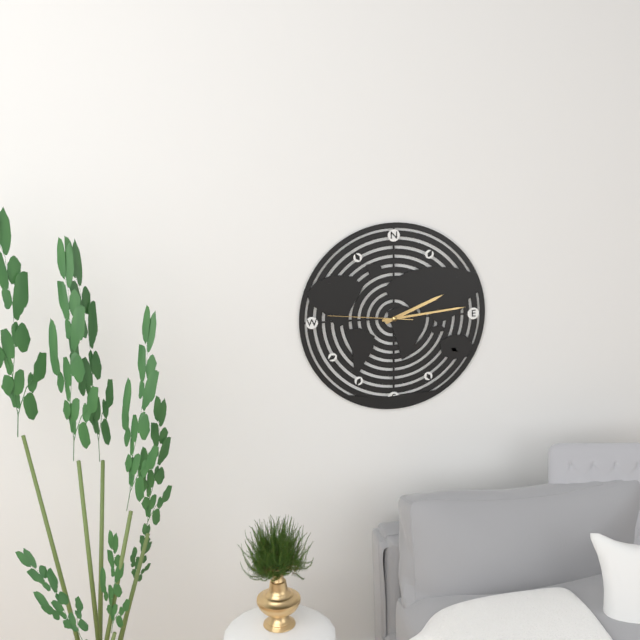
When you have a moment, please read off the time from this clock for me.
2:14:46
